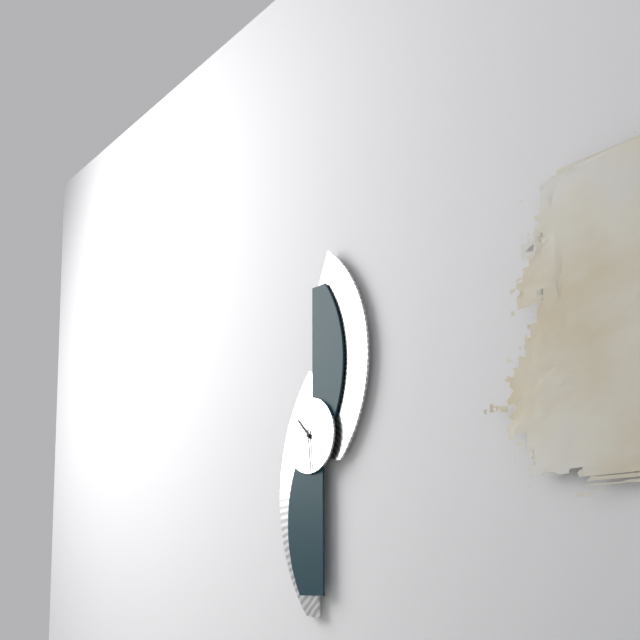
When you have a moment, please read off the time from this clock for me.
10:29
